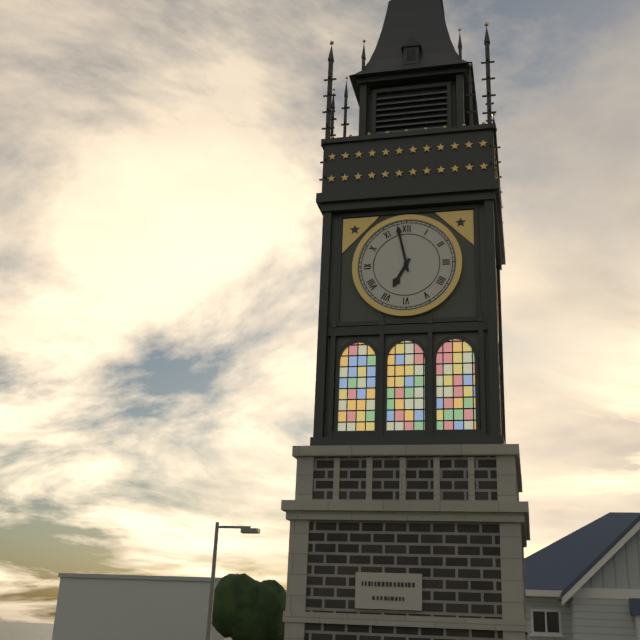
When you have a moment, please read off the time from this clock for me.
6:58
